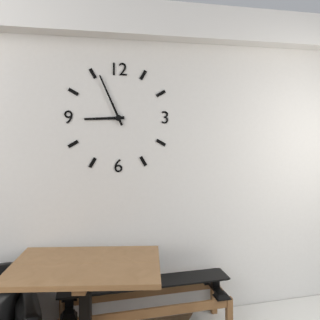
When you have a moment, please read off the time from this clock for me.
8:56
